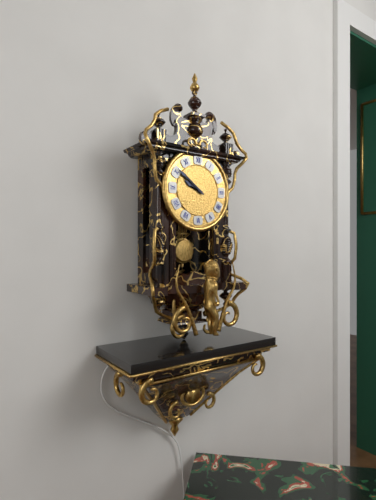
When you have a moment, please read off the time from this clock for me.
9:51
